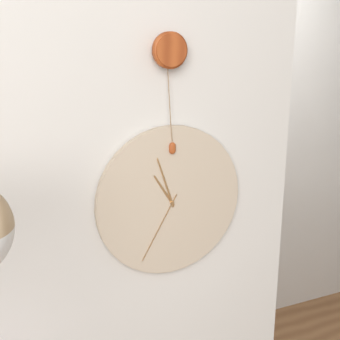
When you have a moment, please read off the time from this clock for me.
10:57:35
